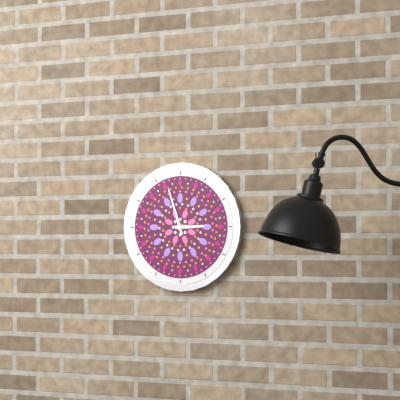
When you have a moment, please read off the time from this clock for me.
2:57
